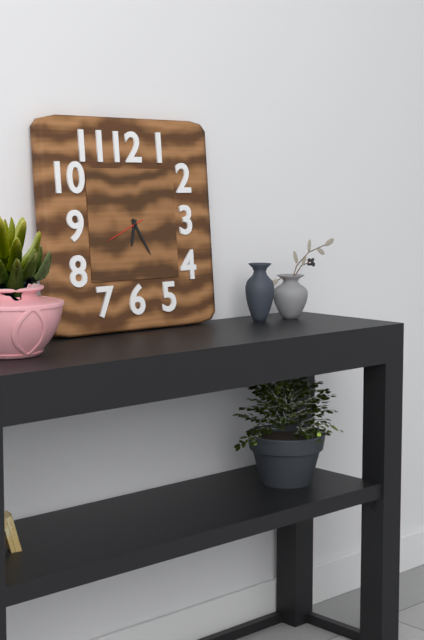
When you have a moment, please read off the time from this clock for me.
6:25
